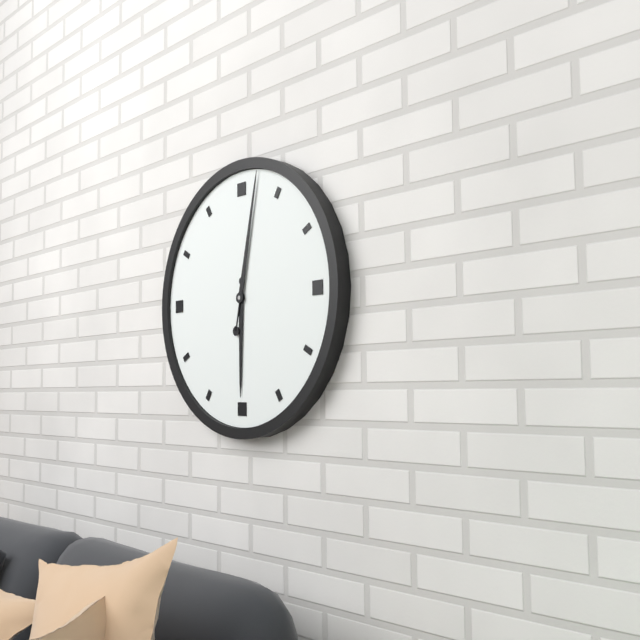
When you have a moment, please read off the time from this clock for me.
6:02
